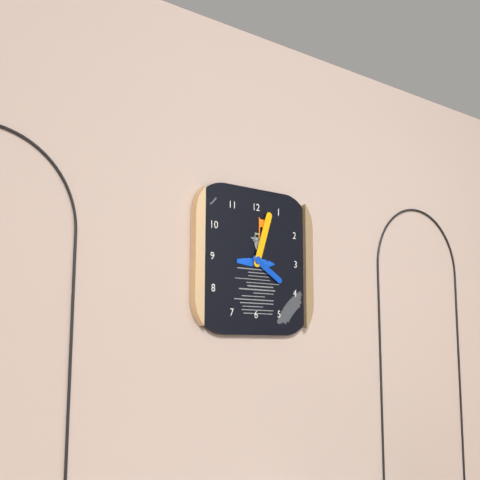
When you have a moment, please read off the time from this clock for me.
4:03
